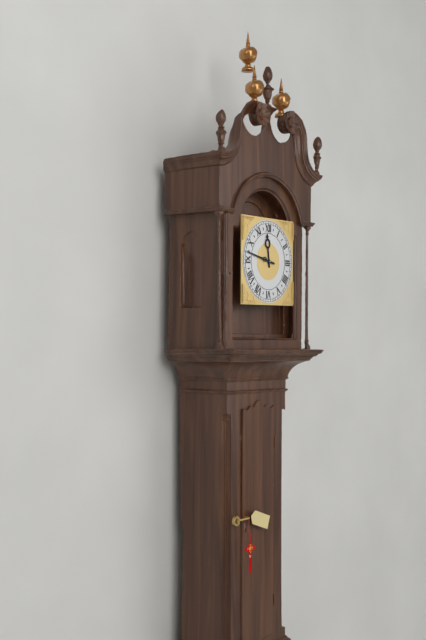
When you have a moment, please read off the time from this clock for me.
11:47
